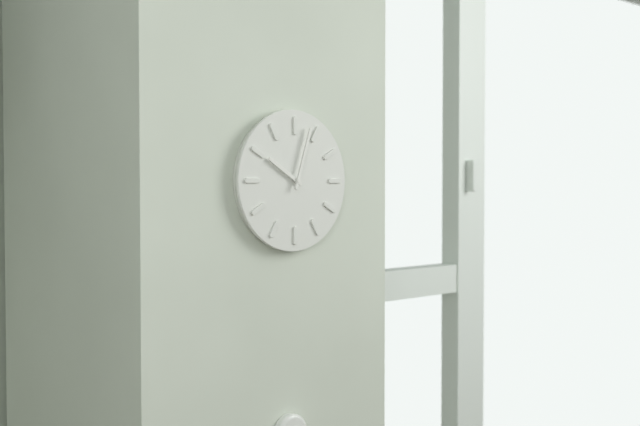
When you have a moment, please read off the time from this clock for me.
10:03
